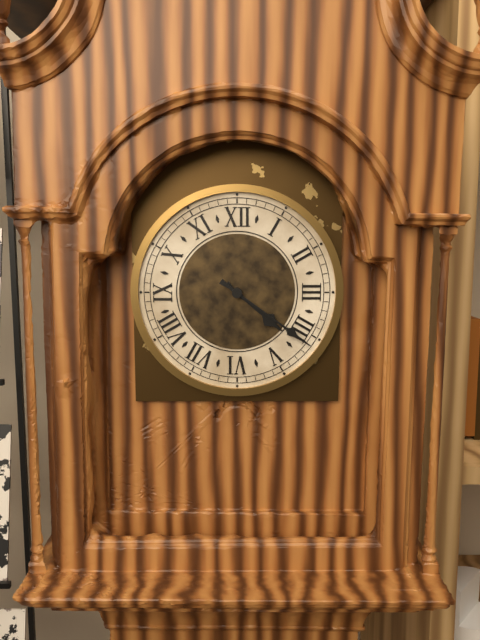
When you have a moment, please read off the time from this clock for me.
4:21
